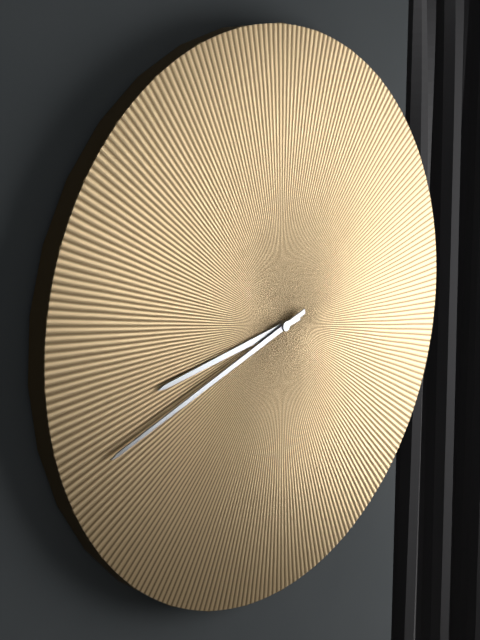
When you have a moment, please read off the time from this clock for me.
8:42
